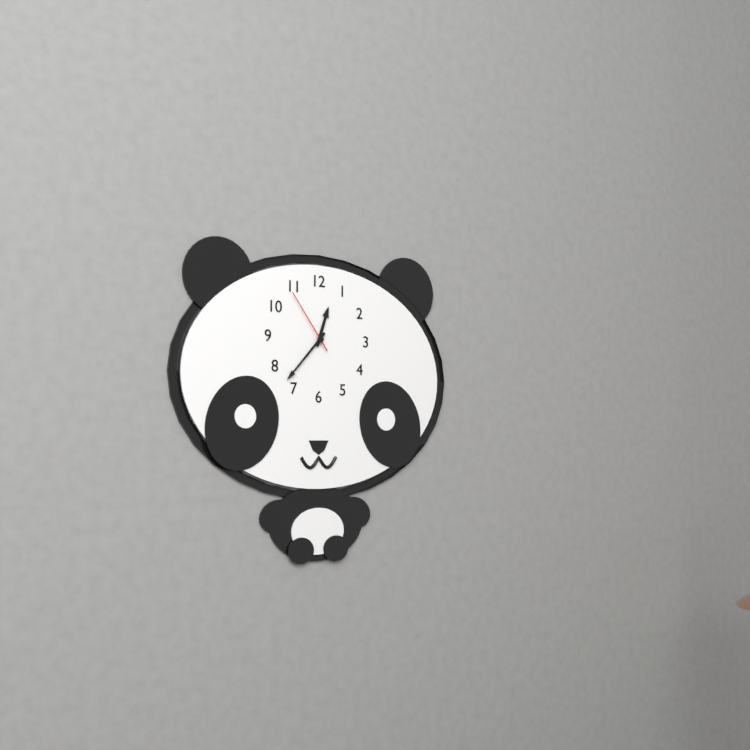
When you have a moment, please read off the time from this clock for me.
12:37:54
